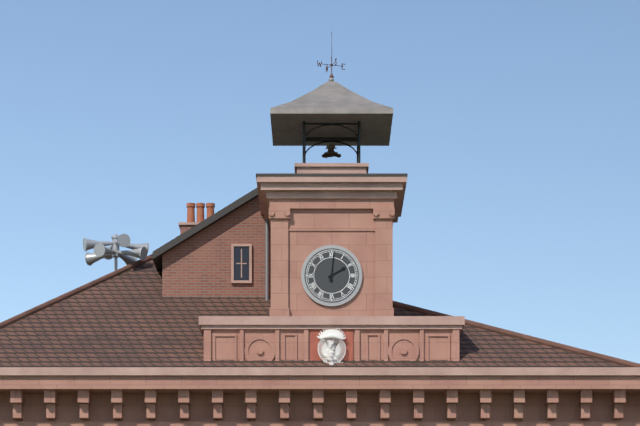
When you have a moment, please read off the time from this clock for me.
2:01
